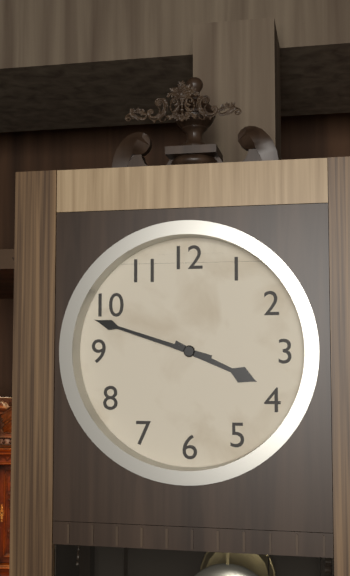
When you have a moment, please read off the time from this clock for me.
3:48
